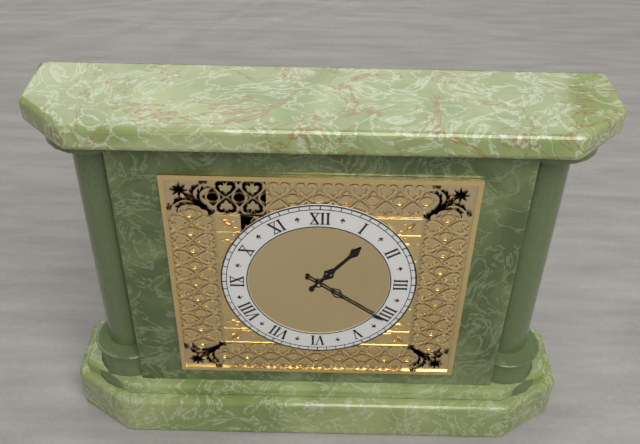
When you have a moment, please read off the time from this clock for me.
1:21
